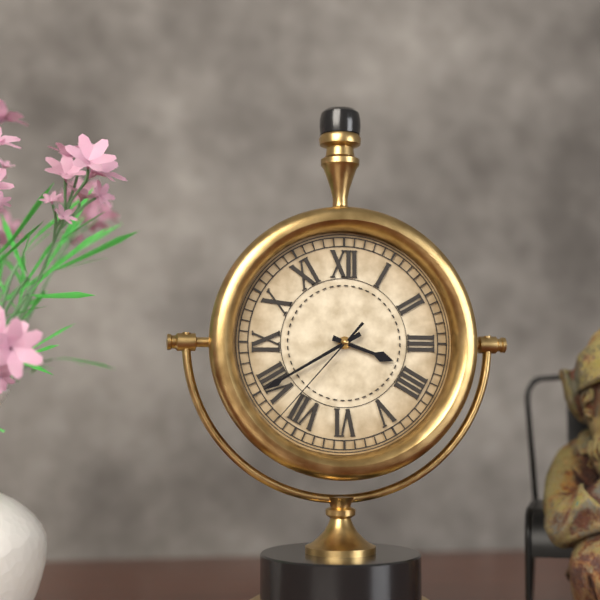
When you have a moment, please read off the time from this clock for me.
3:40:37
